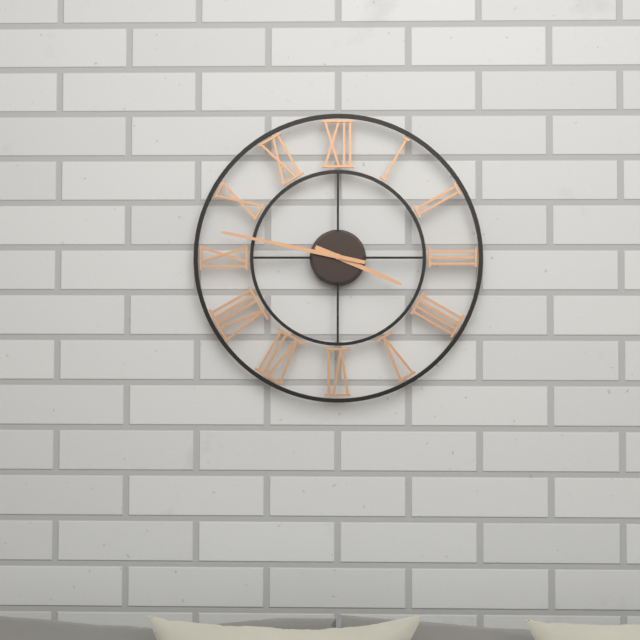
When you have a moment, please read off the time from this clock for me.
3:47
